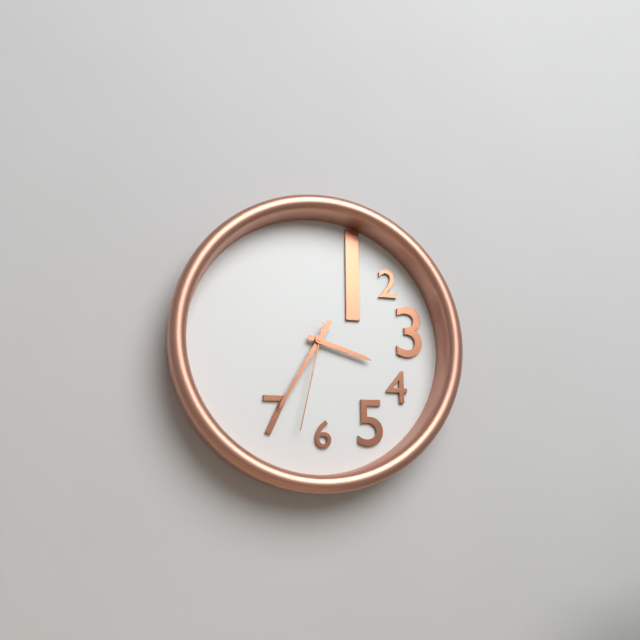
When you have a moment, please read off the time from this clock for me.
3:35:32
